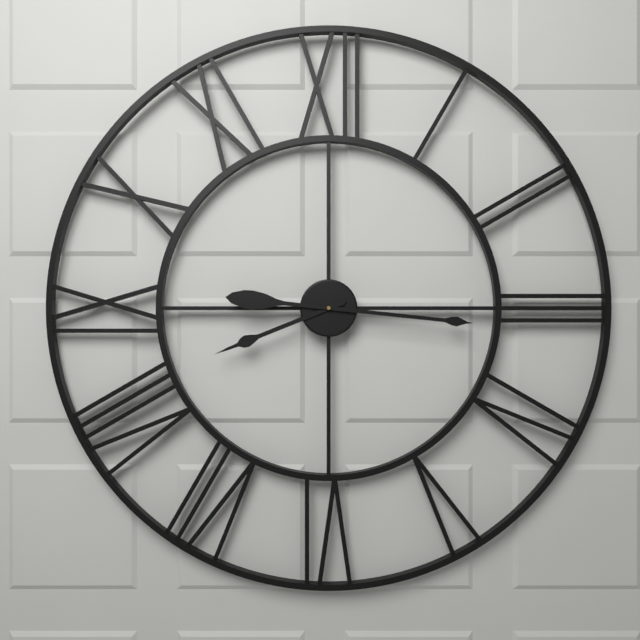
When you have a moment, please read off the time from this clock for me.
8:16
